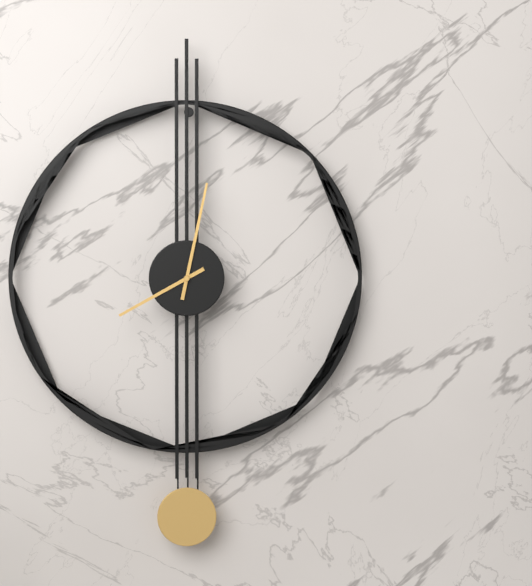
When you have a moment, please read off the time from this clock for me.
8:02
